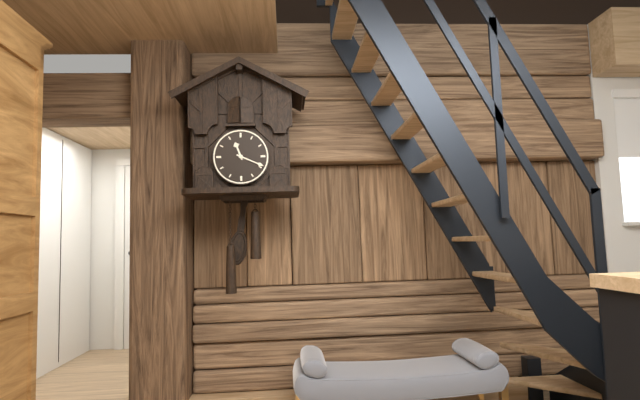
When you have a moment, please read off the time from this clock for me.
11:19
